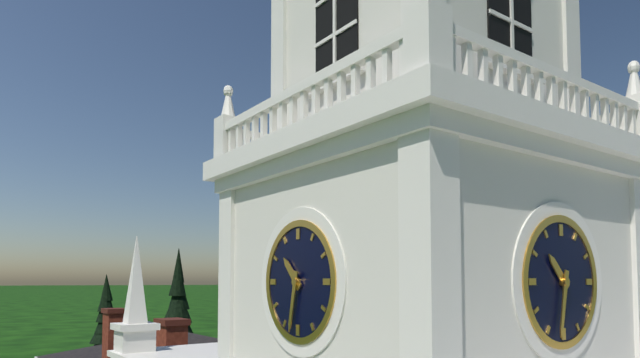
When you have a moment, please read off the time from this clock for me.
10:32
